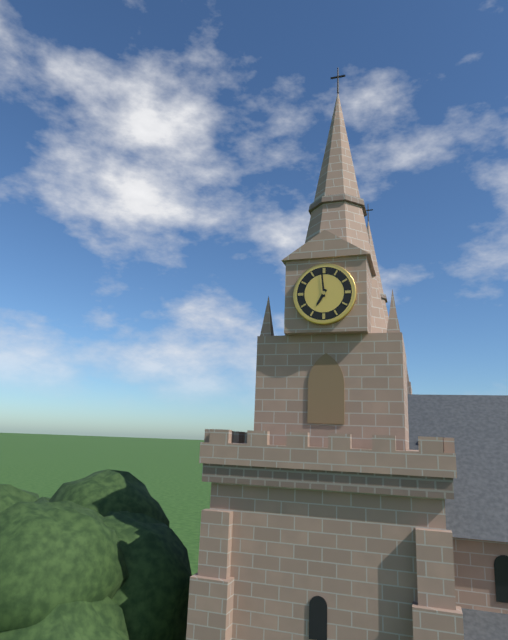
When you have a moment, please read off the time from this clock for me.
6:59
